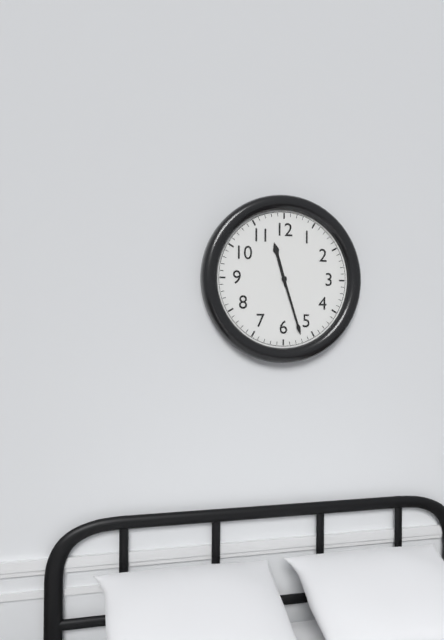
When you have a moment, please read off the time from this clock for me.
11:27
